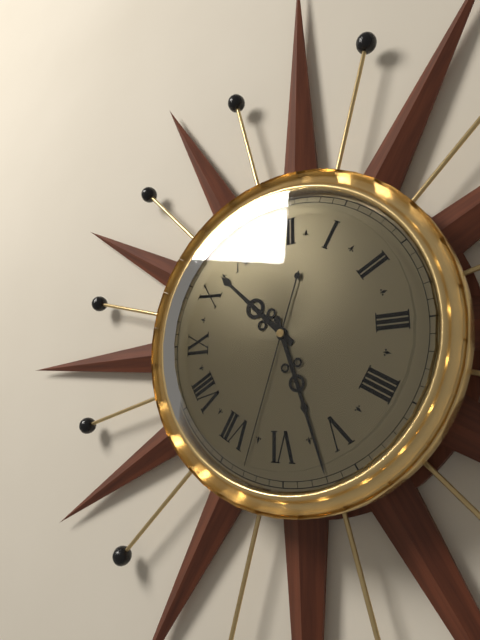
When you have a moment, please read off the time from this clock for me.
10:27:33
